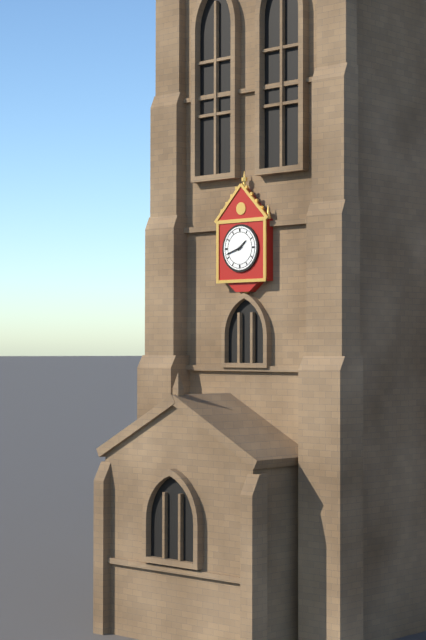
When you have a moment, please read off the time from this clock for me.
1:42
